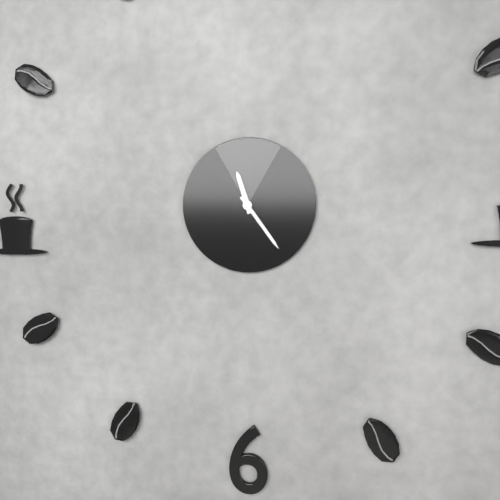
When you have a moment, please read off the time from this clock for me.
11:24
